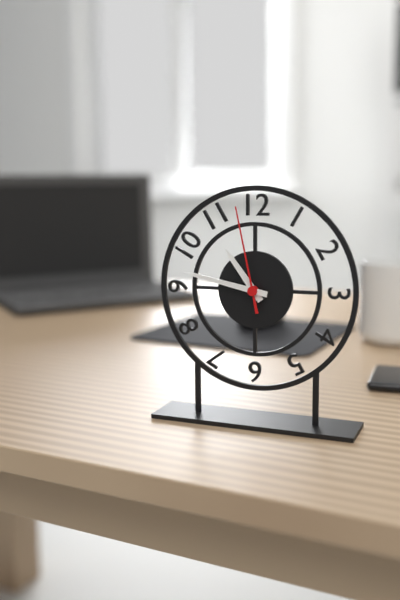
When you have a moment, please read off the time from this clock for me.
10:47:58
